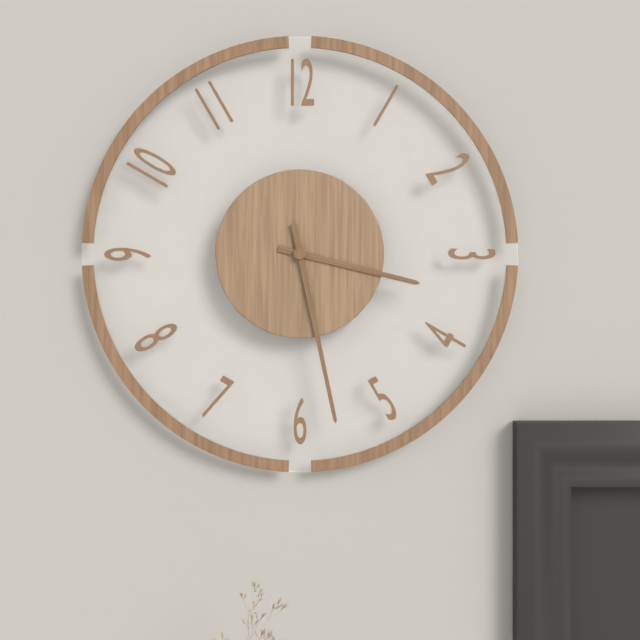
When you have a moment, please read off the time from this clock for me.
3:28
